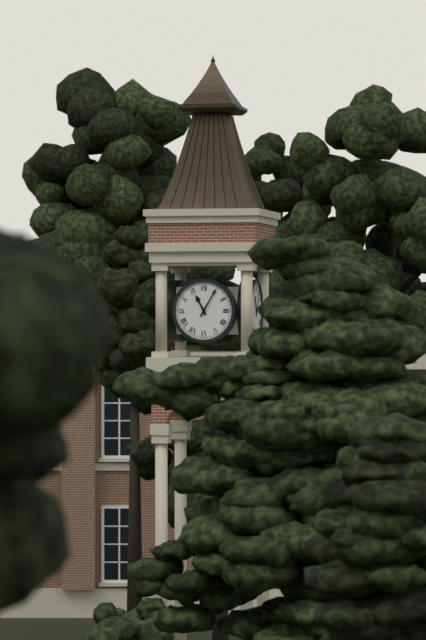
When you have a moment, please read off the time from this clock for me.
11:05
